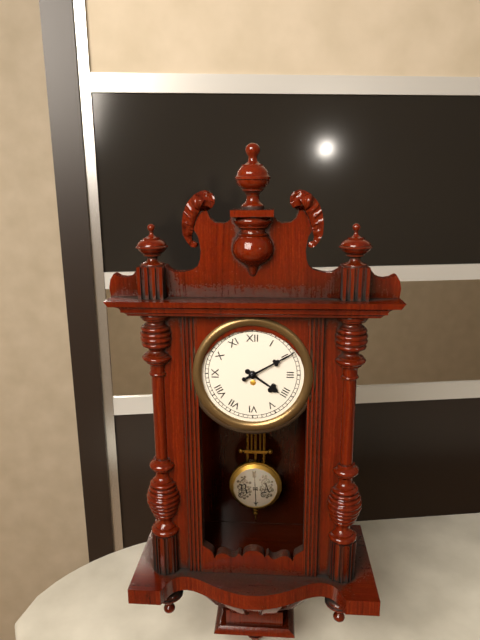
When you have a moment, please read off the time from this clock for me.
4:10
